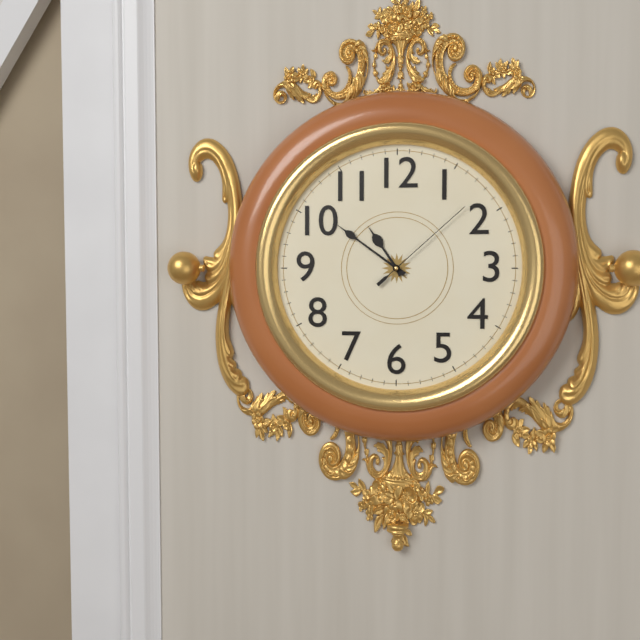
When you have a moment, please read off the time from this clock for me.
10:51:08
